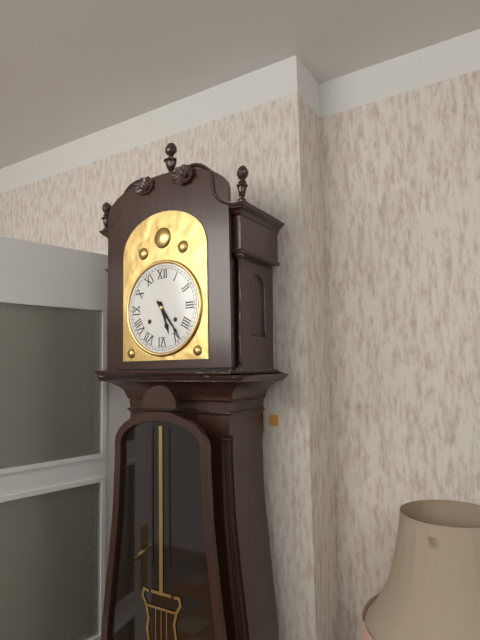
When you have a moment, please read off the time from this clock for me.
5:24
